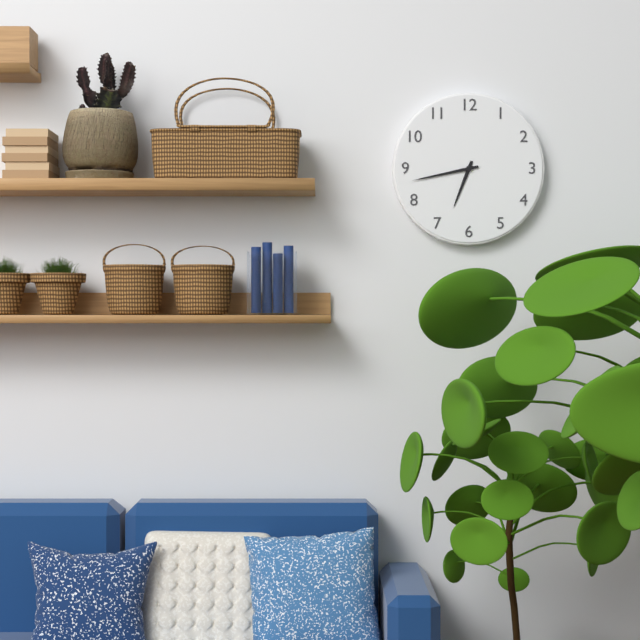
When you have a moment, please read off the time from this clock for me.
6:43
